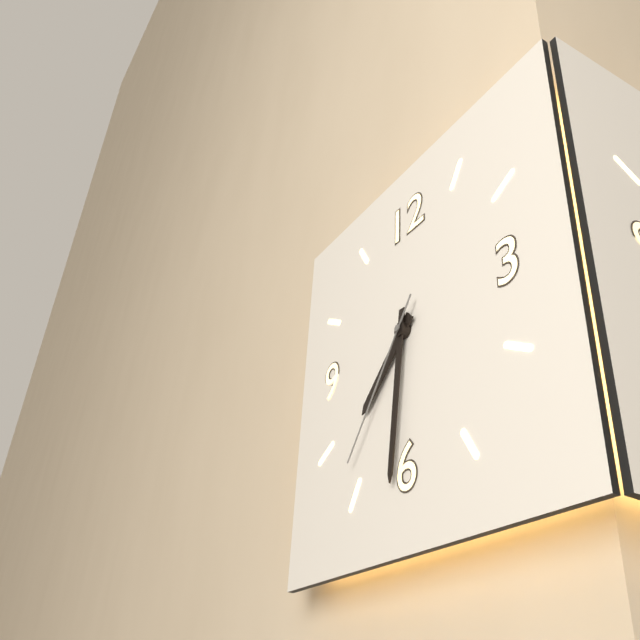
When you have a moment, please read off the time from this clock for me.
7:31:36
